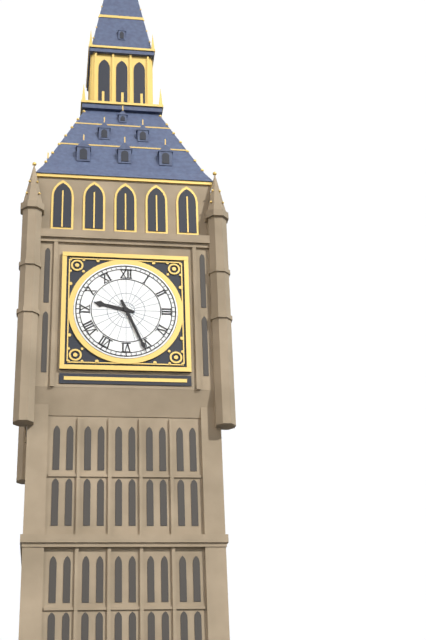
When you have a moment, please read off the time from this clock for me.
9:26
